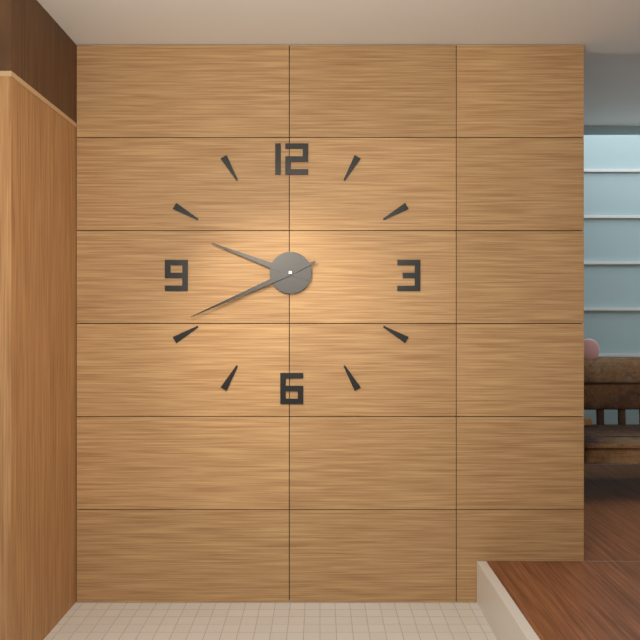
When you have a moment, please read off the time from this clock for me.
9:41
